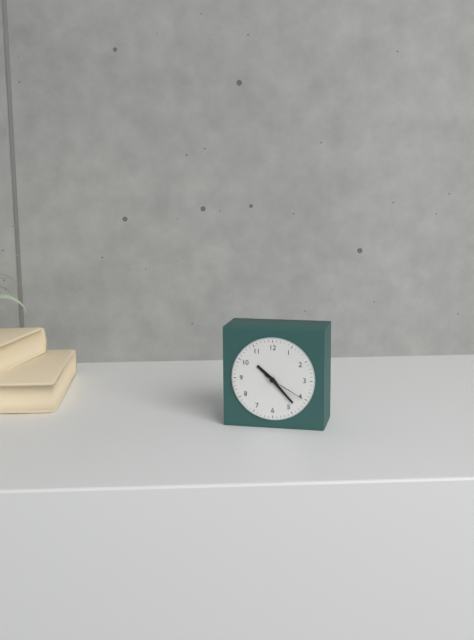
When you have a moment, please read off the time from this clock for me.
10:23
